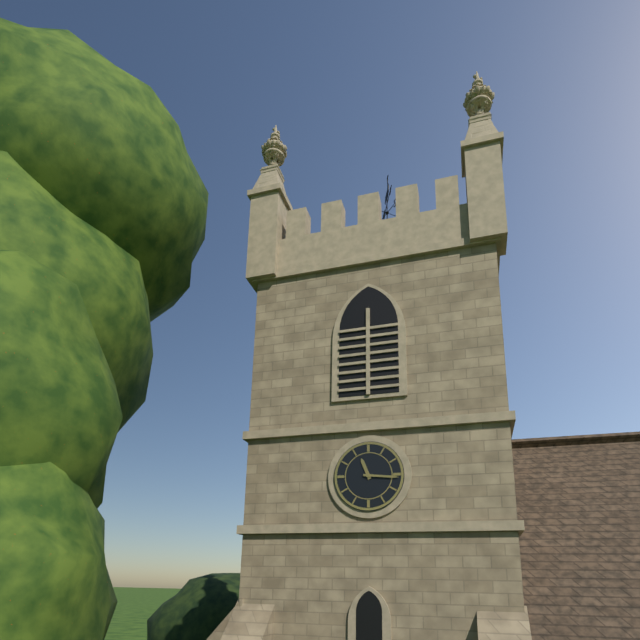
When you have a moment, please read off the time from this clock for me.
11:16
